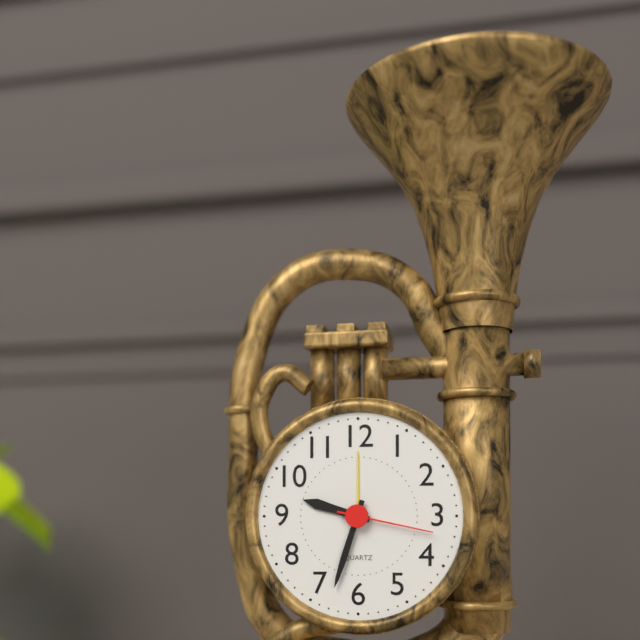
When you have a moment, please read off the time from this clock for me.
9:33:17
